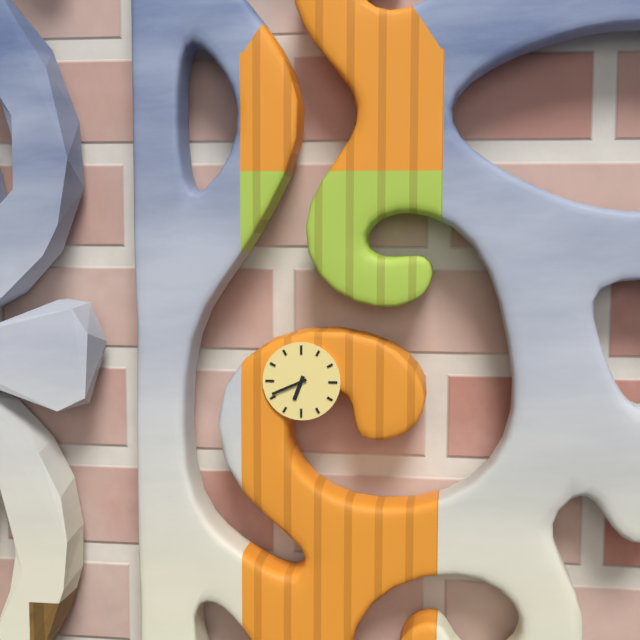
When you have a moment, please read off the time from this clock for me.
6:41
